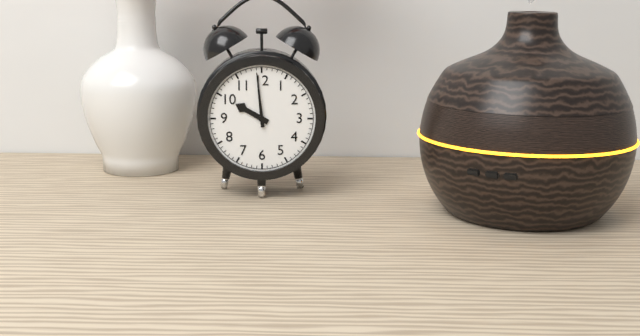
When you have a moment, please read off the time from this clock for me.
9:59
